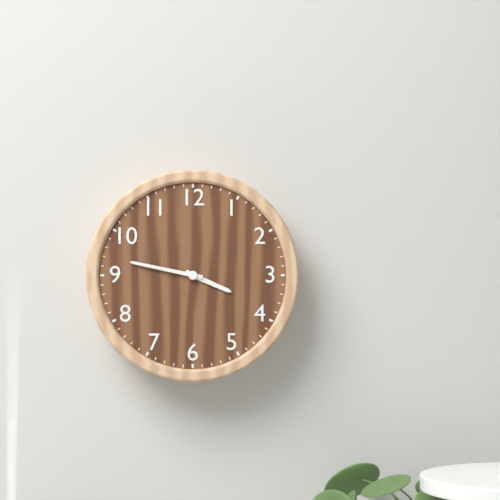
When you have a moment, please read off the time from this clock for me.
3:47
